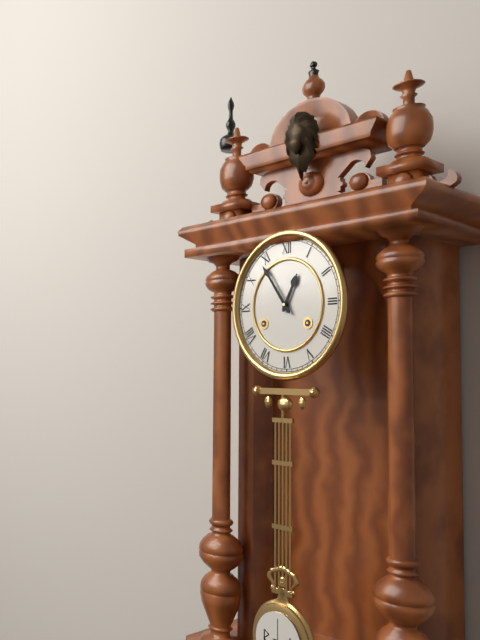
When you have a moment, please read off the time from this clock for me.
12:54
